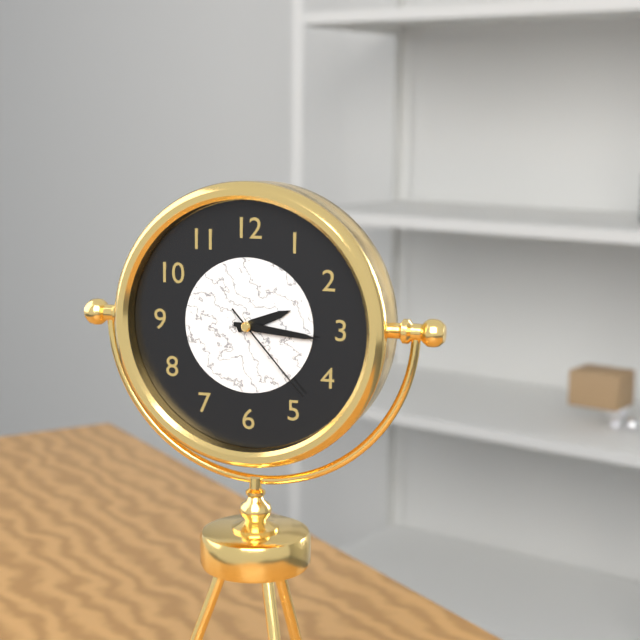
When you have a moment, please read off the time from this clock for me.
2:16:23
